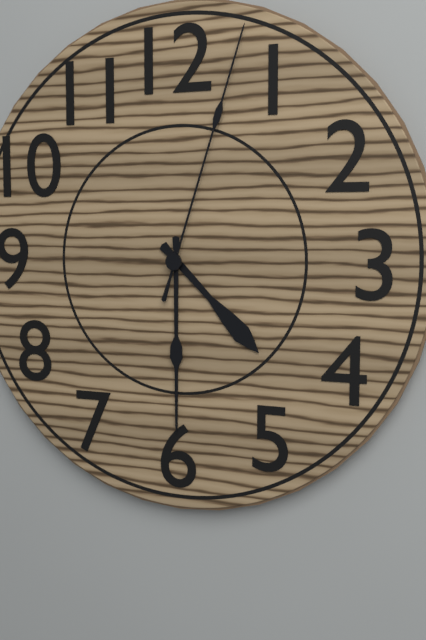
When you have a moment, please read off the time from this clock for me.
4:30:03
